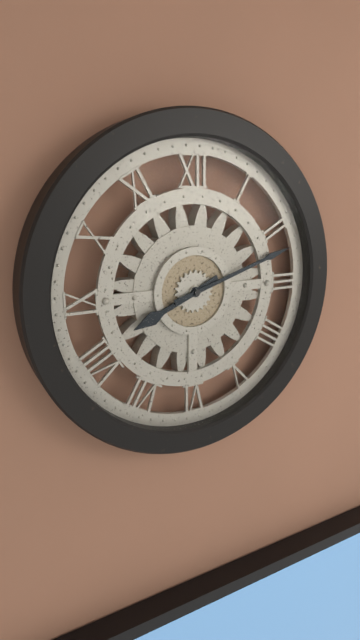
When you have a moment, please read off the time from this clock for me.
8:12
